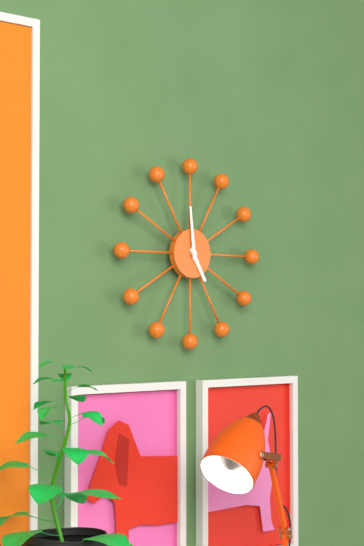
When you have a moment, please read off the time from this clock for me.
4:59
